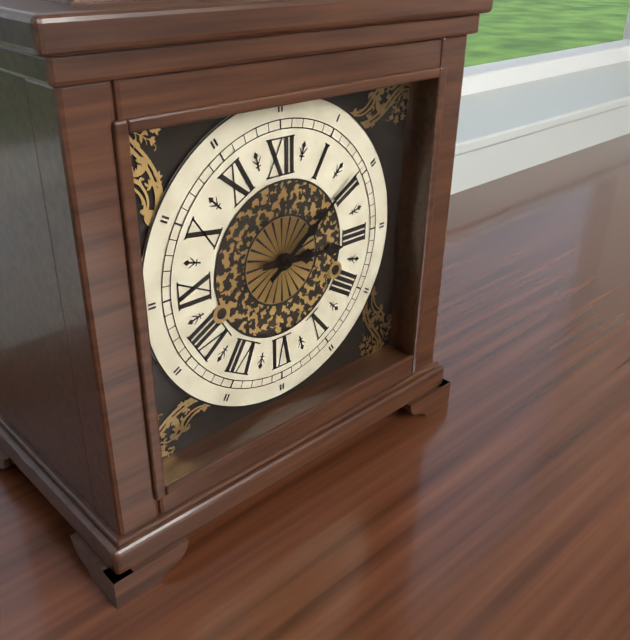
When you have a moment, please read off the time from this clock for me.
3:09
